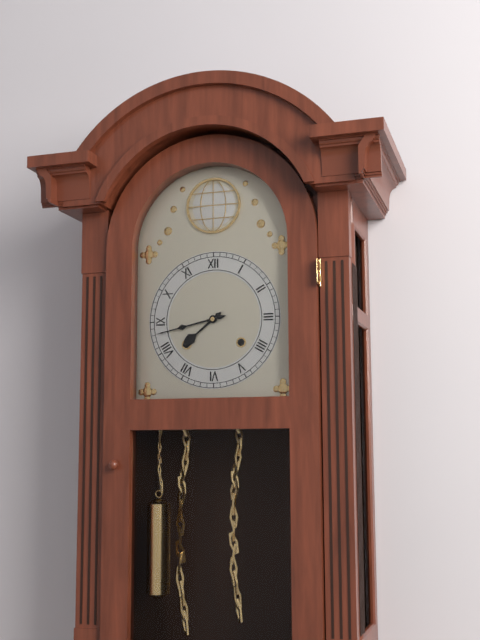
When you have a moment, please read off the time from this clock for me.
7:43
